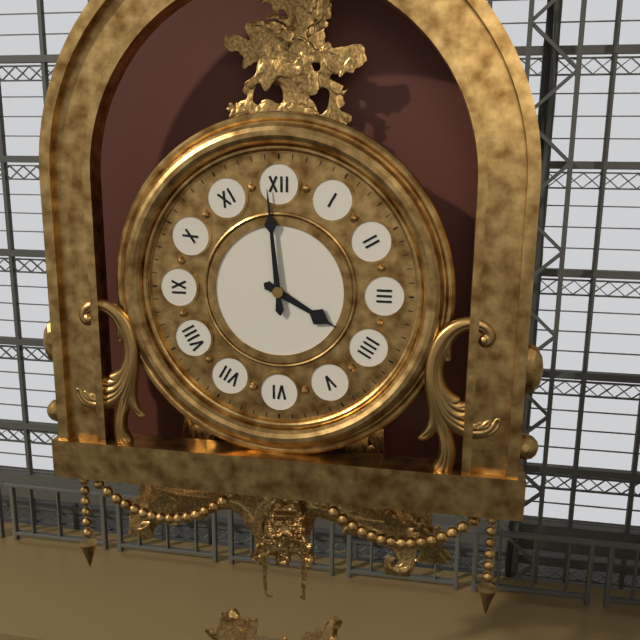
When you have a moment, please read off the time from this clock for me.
3:59
